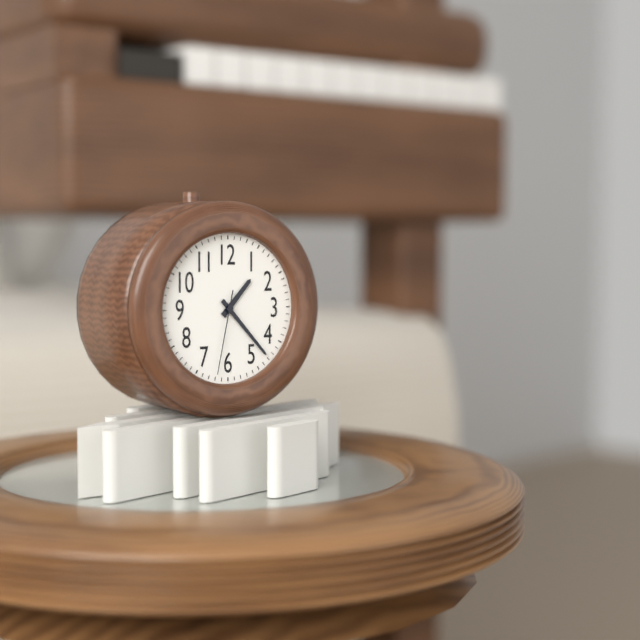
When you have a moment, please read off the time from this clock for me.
1:23:32
